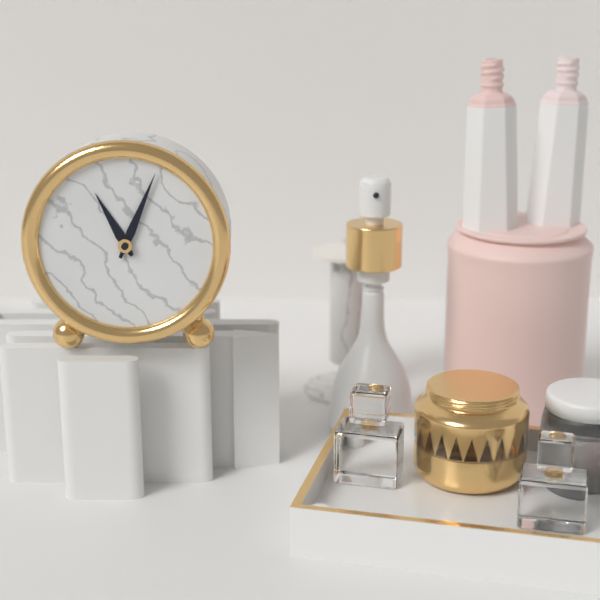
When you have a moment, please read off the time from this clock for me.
11:04
